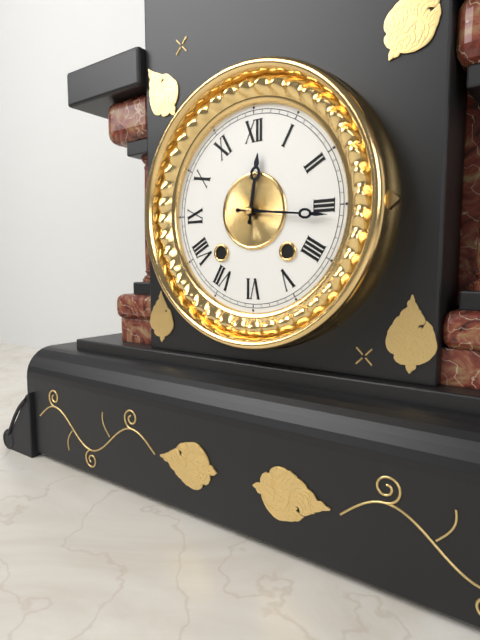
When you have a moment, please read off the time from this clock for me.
12:16
